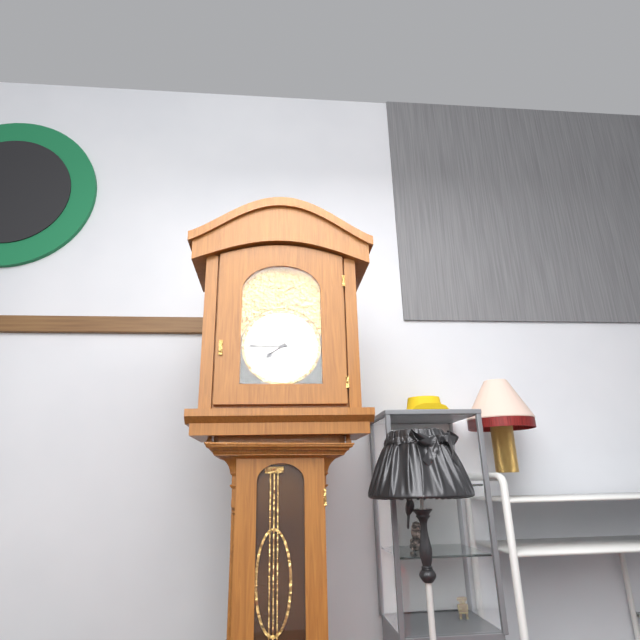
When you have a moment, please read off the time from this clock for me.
7:45
